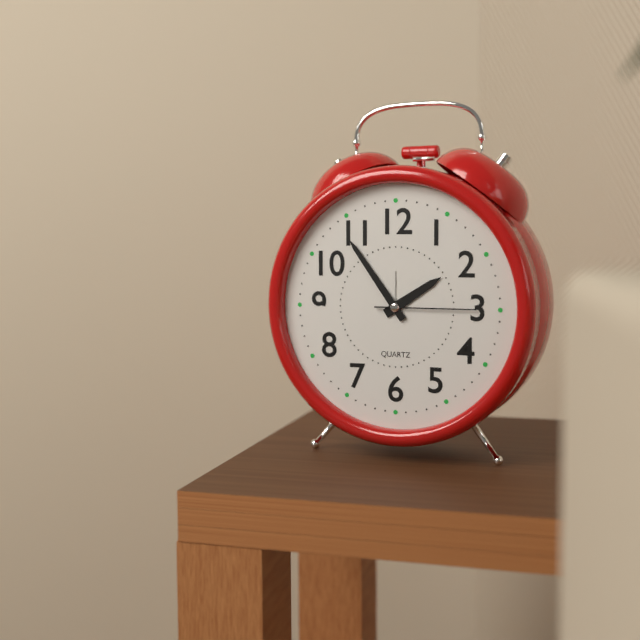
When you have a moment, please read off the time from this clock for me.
1:54:15
